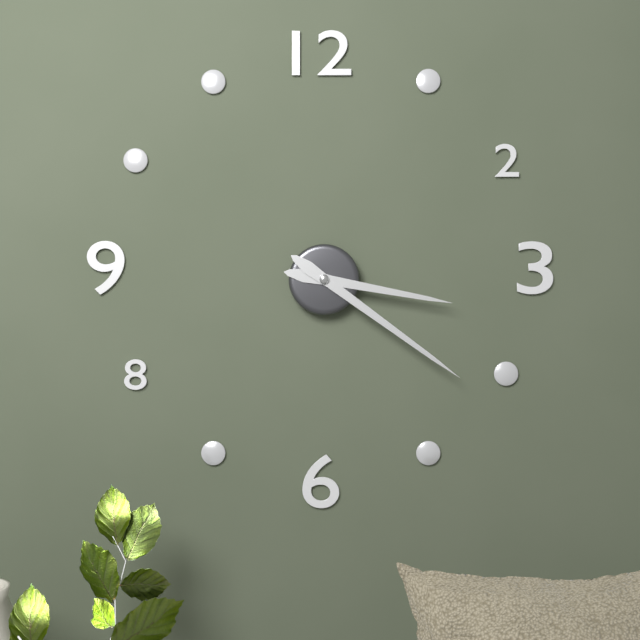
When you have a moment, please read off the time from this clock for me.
3:21
